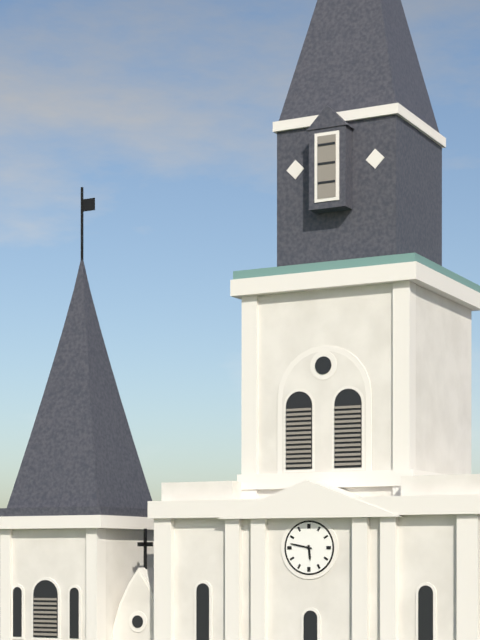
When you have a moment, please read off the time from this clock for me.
5:47
